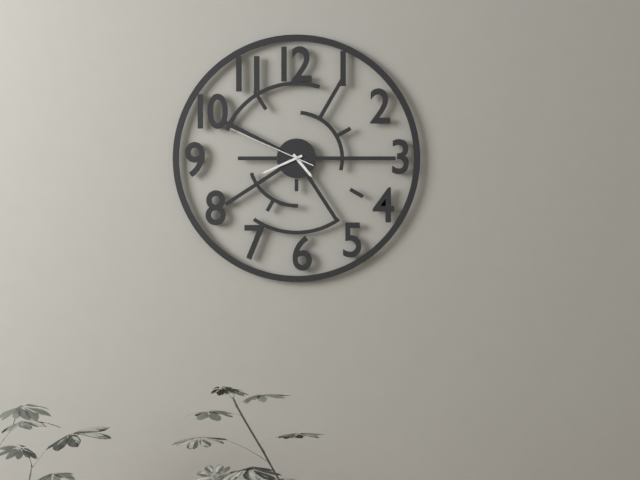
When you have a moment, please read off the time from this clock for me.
4:41:49
